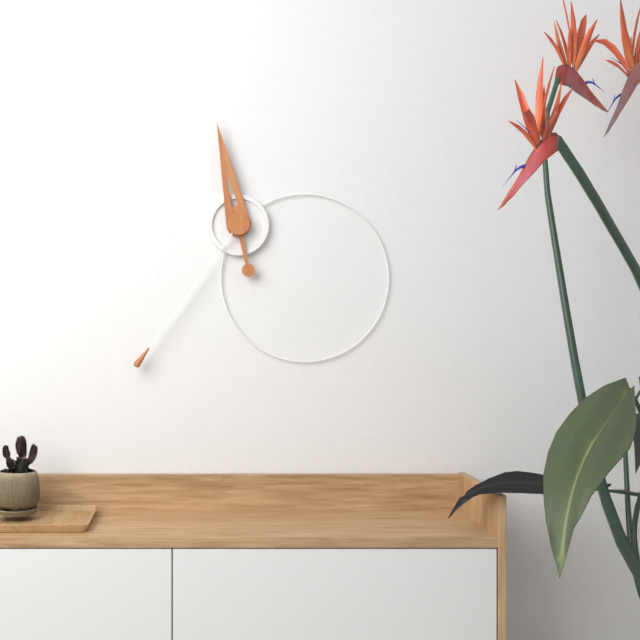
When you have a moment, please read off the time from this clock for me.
11:36
